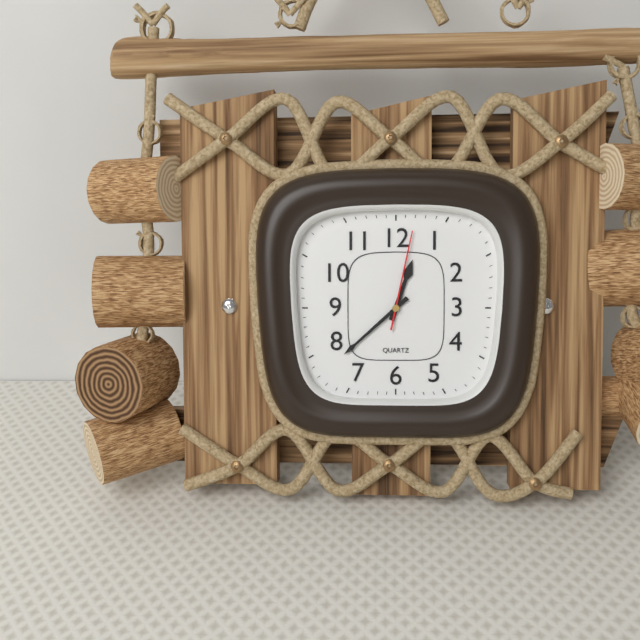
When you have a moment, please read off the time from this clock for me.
12:38:02
